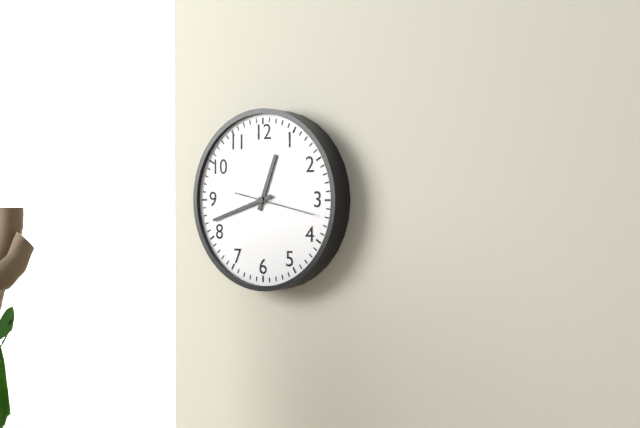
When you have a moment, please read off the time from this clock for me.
12:42:17
